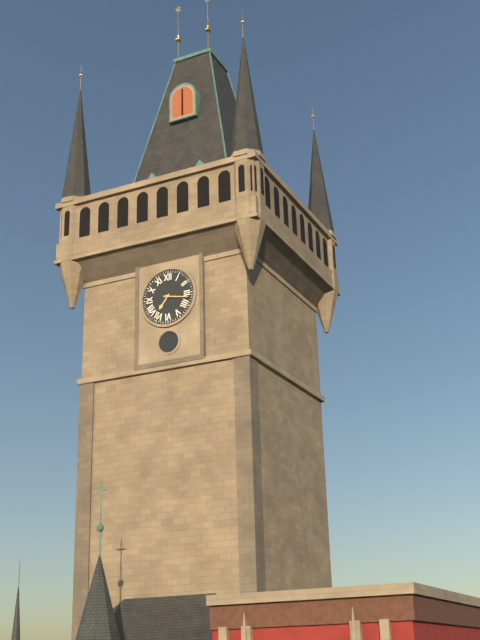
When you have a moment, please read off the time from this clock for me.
7:17
